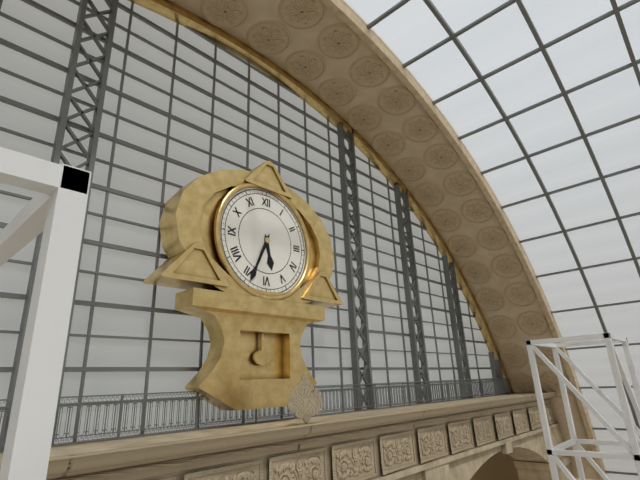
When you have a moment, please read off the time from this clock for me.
5:34
